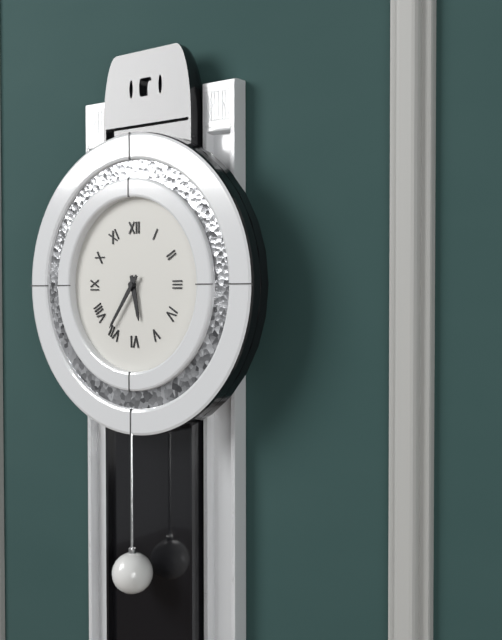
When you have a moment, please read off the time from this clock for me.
5:36
